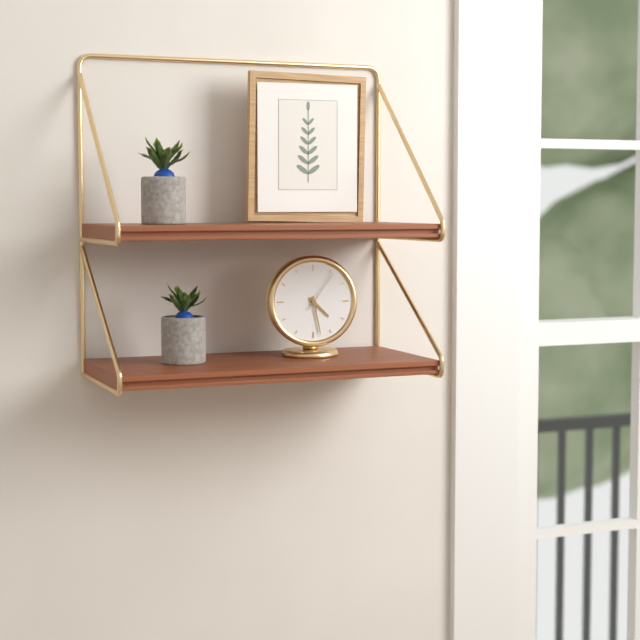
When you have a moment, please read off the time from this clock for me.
4:28
